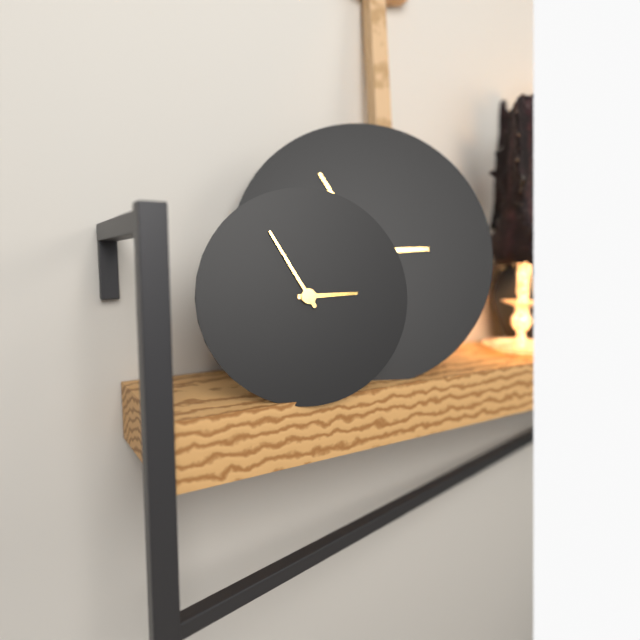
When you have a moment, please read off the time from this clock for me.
2:55
